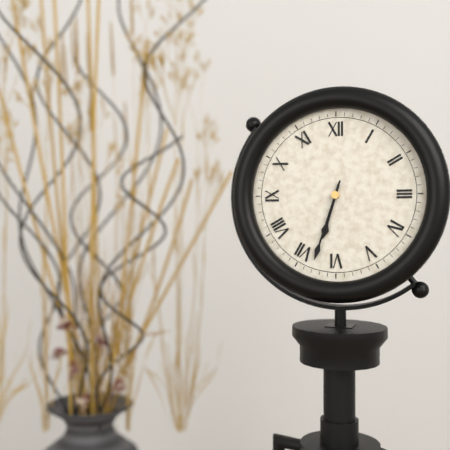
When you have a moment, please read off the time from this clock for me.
6:33
